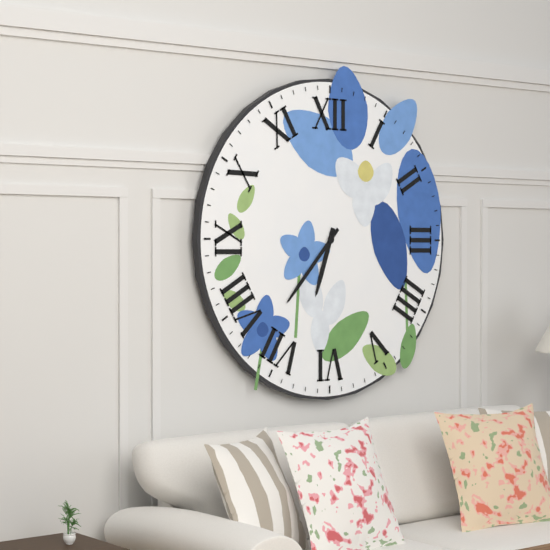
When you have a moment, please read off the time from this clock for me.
6:37
